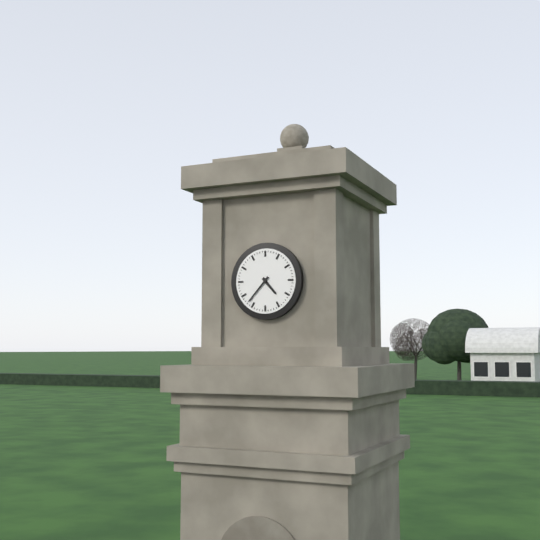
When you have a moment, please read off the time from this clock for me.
4:37
